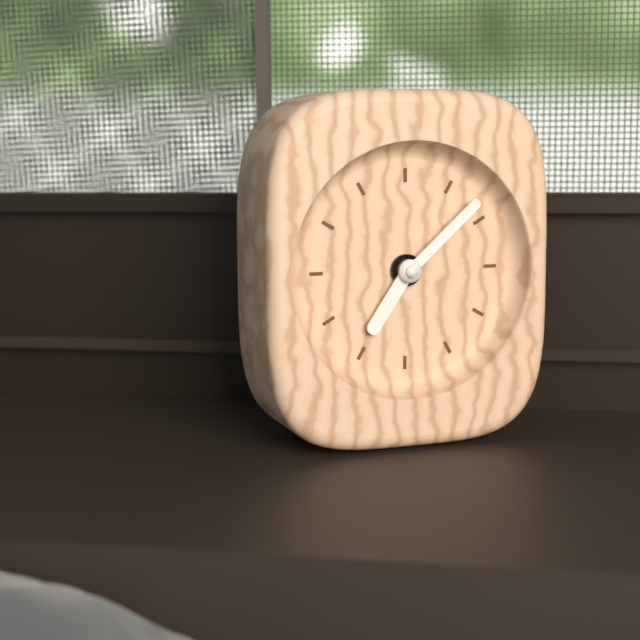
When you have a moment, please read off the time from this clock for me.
7:08
